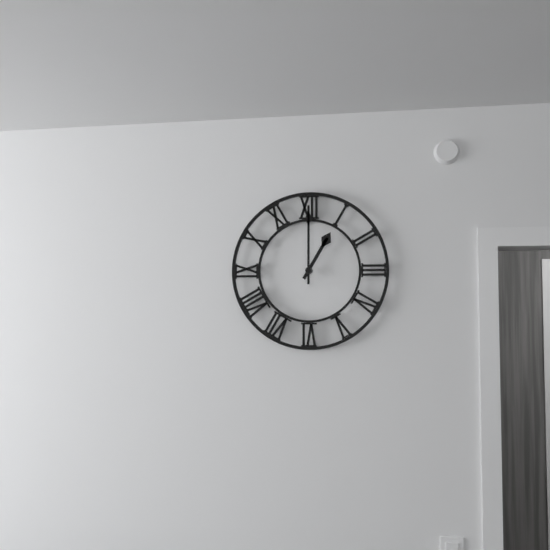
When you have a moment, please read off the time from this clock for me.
1:00
